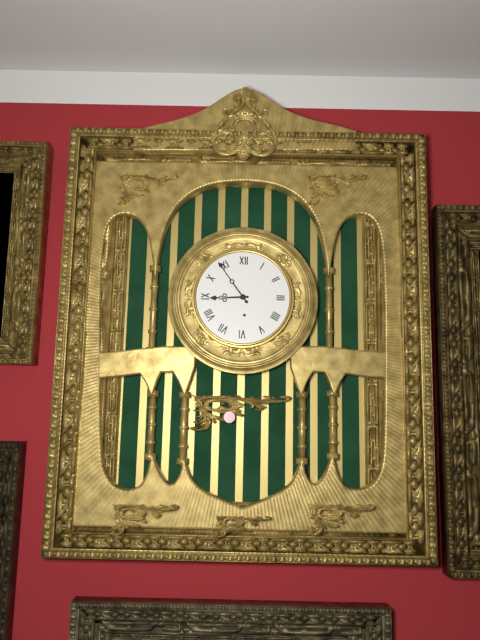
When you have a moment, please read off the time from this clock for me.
8:54
